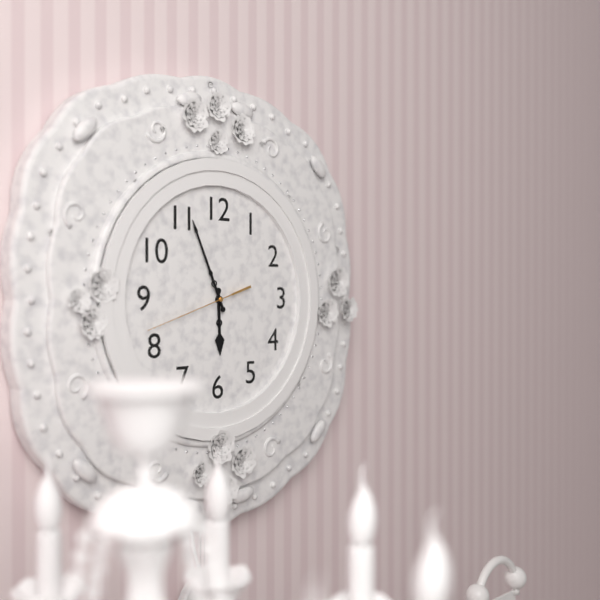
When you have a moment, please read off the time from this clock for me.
5:56:42
